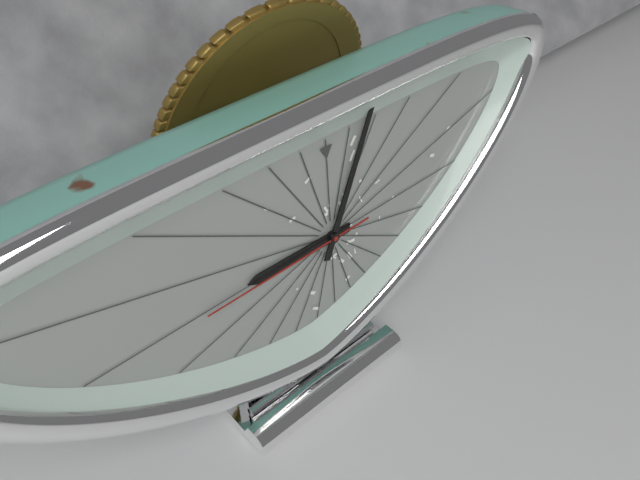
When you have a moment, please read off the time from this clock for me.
9:04:45
